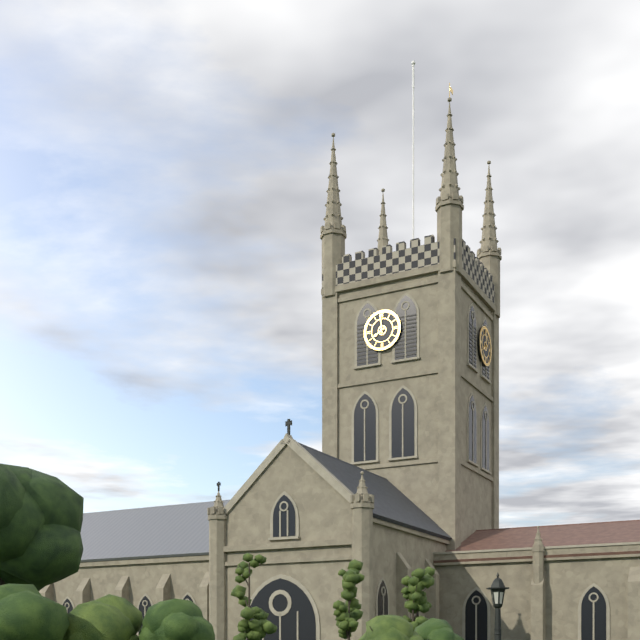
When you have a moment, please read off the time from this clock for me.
7:59
